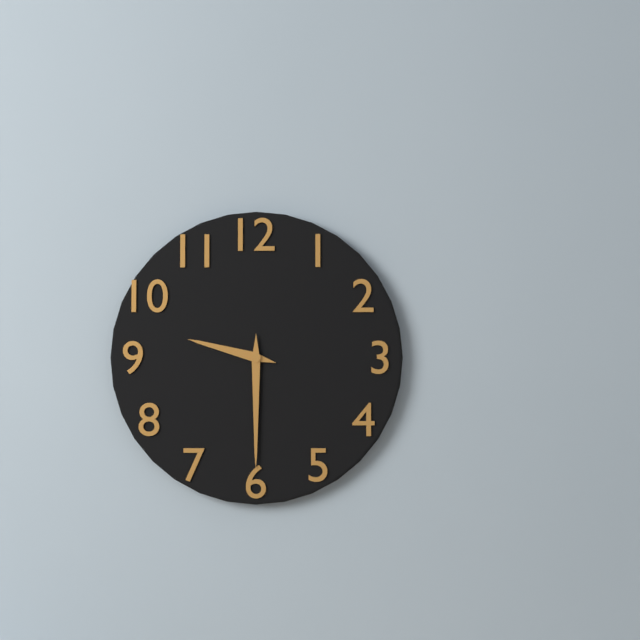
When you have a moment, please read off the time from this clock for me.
9:30
